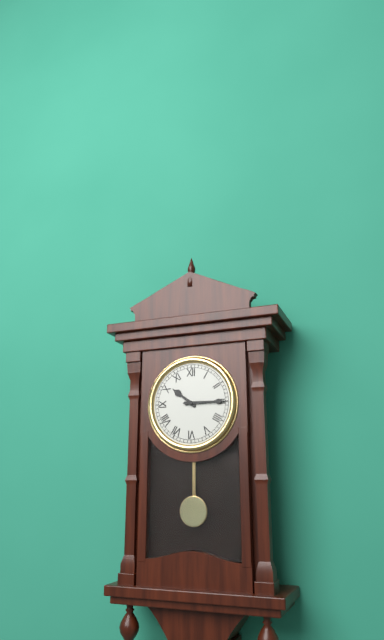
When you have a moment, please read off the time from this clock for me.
10:15
